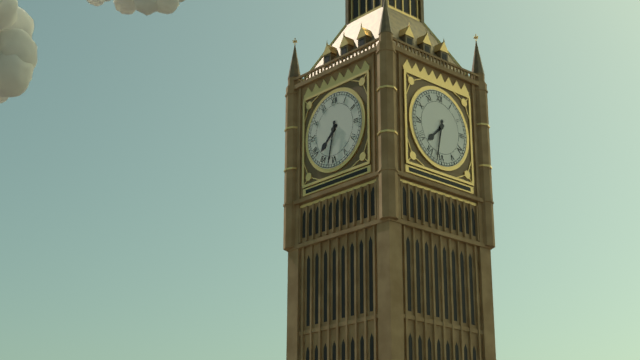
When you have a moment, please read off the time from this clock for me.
7:32
